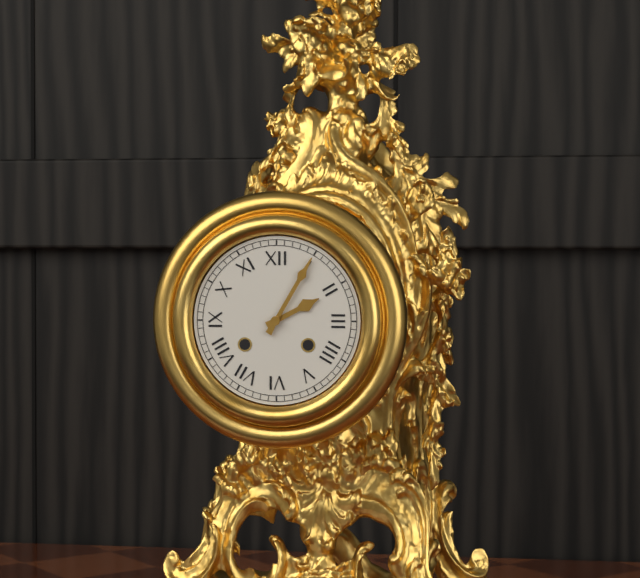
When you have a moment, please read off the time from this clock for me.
2:05
